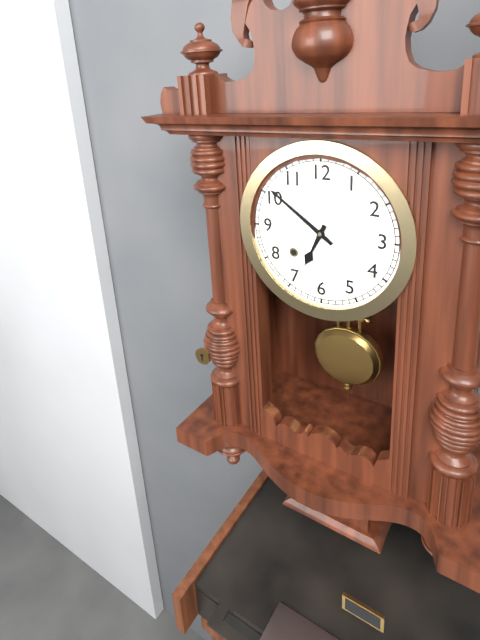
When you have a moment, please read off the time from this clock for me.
6:51
